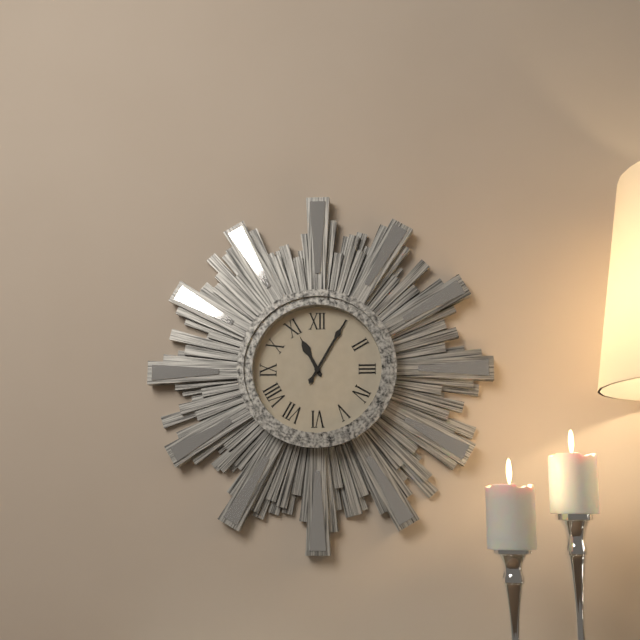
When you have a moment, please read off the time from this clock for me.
11:05
